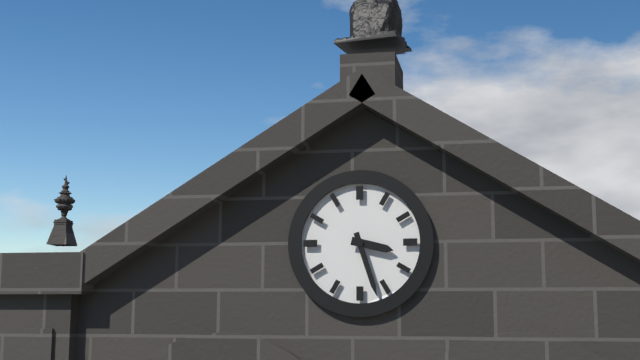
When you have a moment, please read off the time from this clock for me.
3:27
